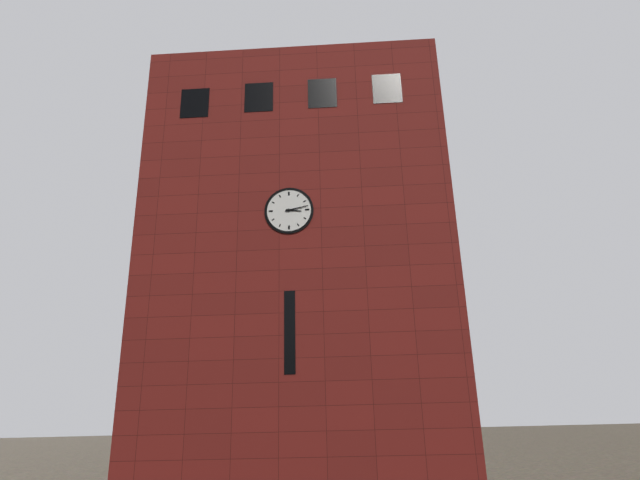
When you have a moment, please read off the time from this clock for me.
3:13
